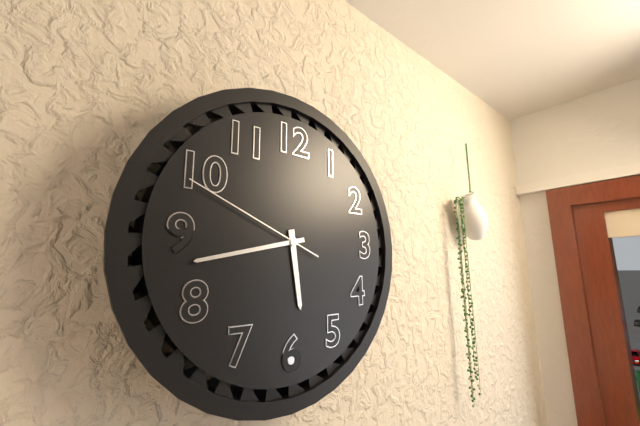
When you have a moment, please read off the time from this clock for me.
5:43:49
